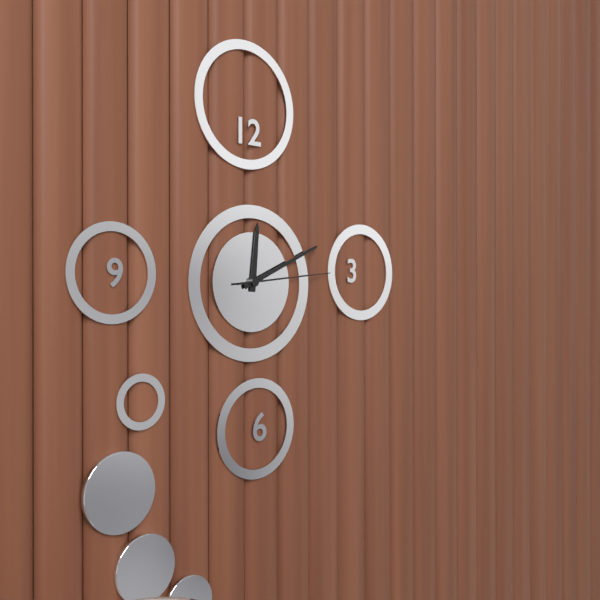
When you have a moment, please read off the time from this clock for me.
12:11:14
